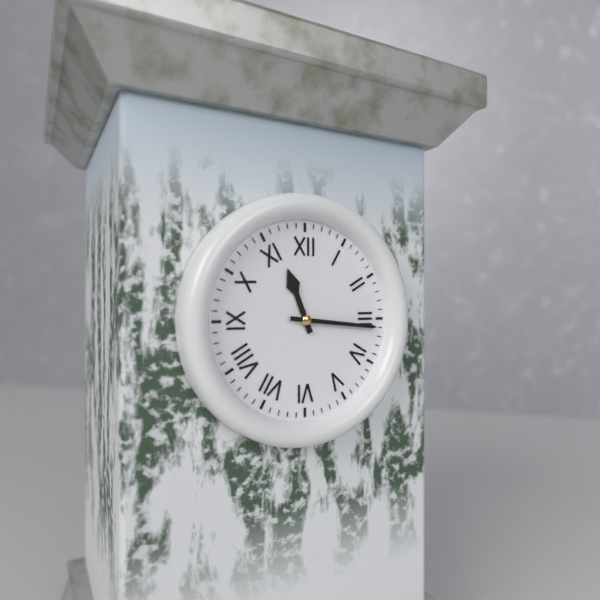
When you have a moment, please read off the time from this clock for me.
11:16
